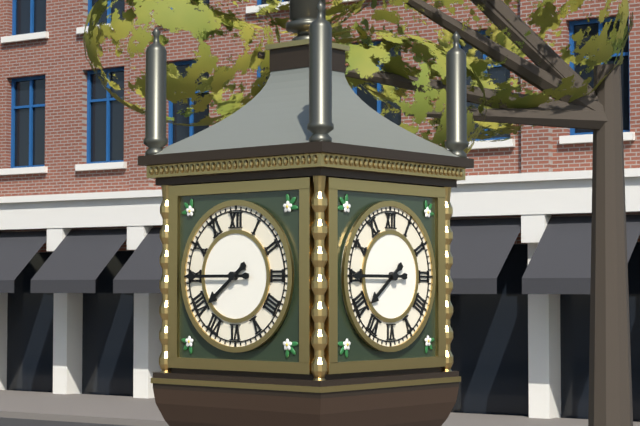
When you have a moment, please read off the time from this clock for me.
7:45
